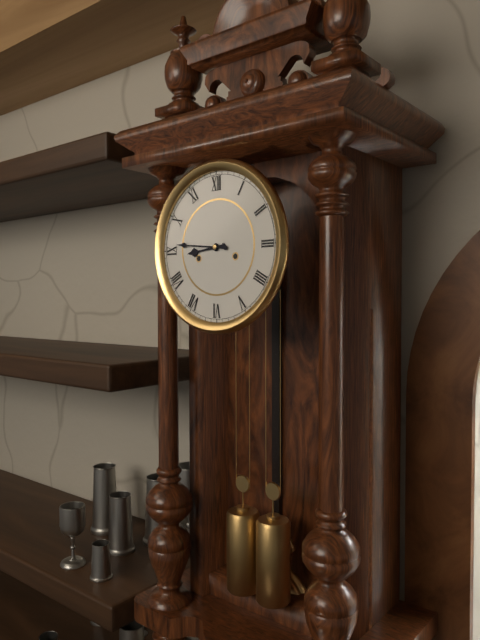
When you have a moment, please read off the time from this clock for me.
8:46
